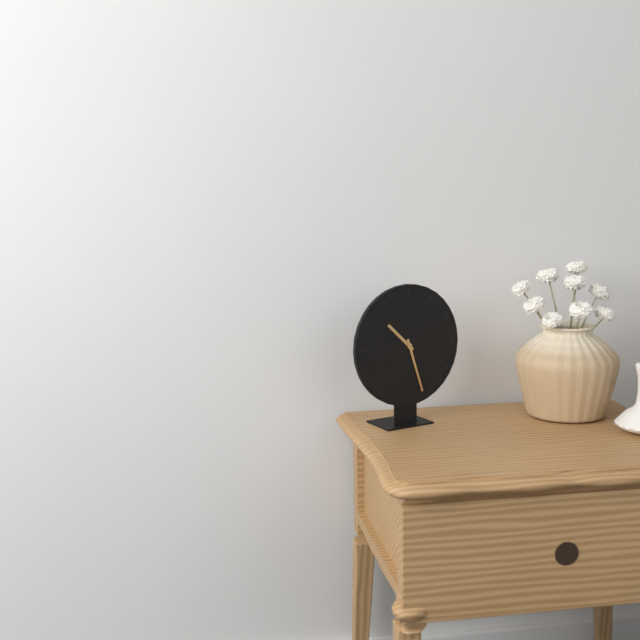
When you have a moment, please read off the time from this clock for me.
10:27
